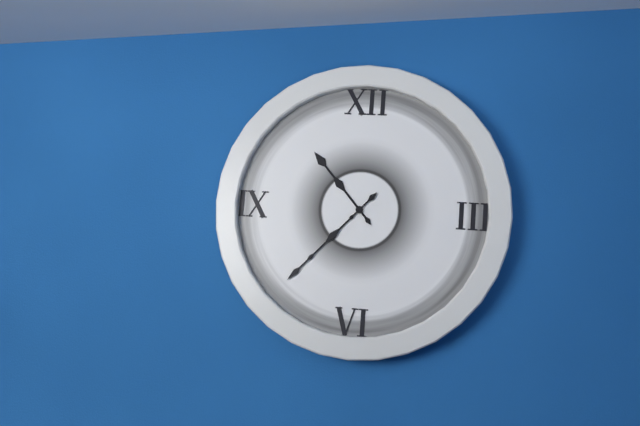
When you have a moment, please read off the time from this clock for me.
10:37
